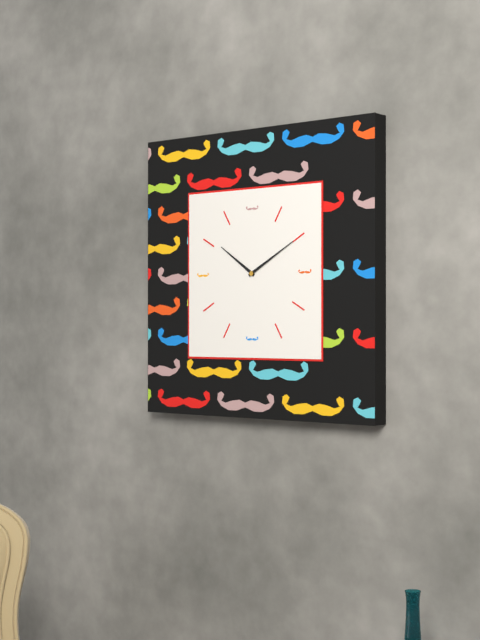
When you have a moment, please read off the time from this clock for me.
10:10
